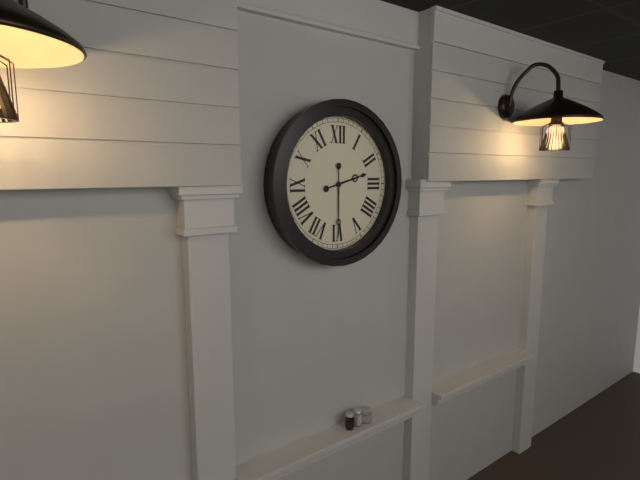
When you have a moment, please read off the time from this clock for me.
2:30
